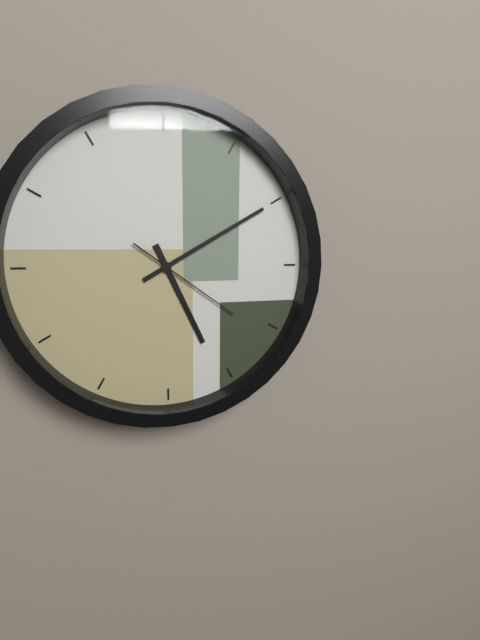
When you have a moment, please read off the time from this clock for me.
5:10:21
